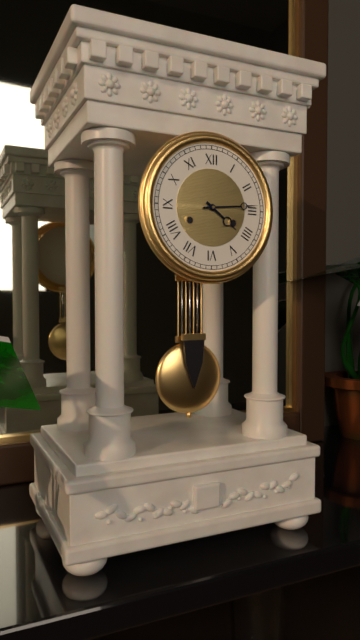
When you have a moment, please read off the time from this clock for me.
4:14
